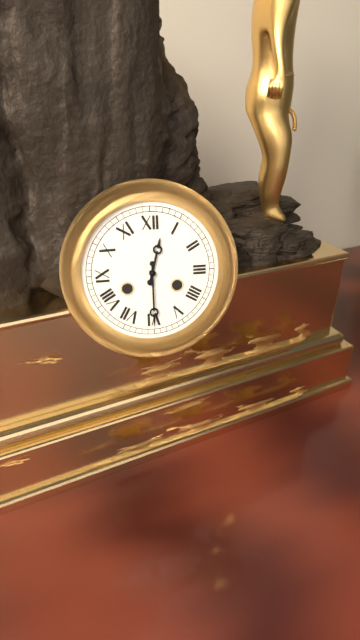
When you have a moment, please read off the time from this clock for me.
12:30
